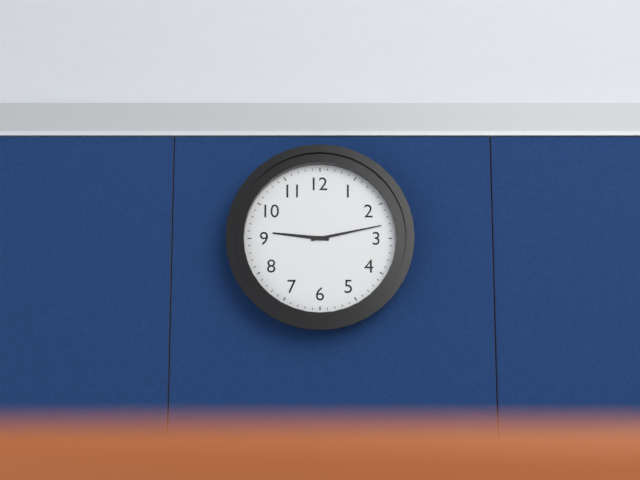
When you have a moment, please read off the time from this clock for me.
9:13
